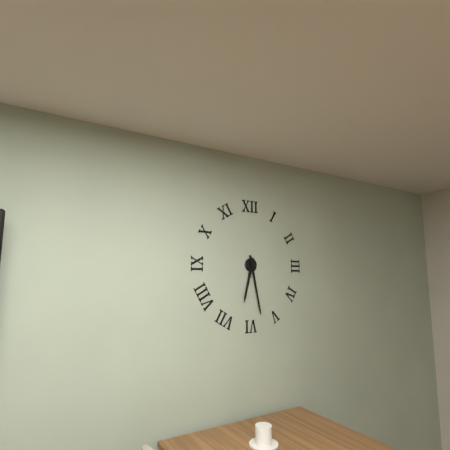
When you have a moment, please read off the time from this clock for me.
6:28
